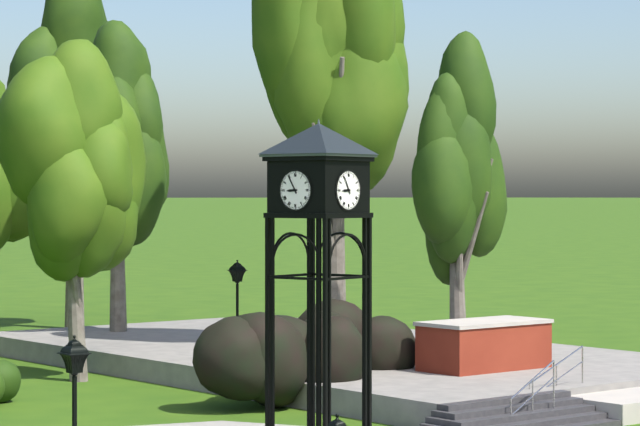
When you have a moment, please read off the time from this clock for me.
8:55
